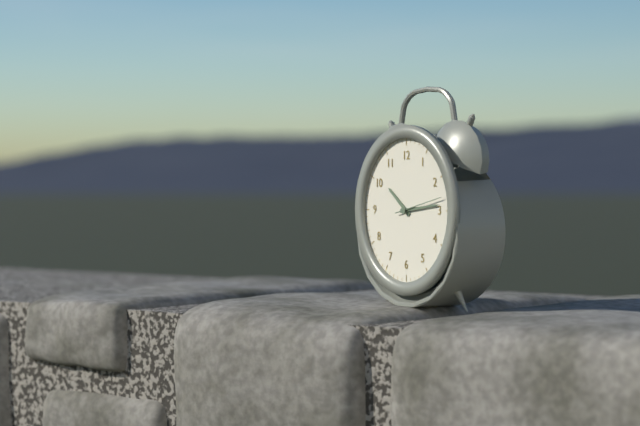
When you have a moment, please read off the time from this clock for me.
10:14
